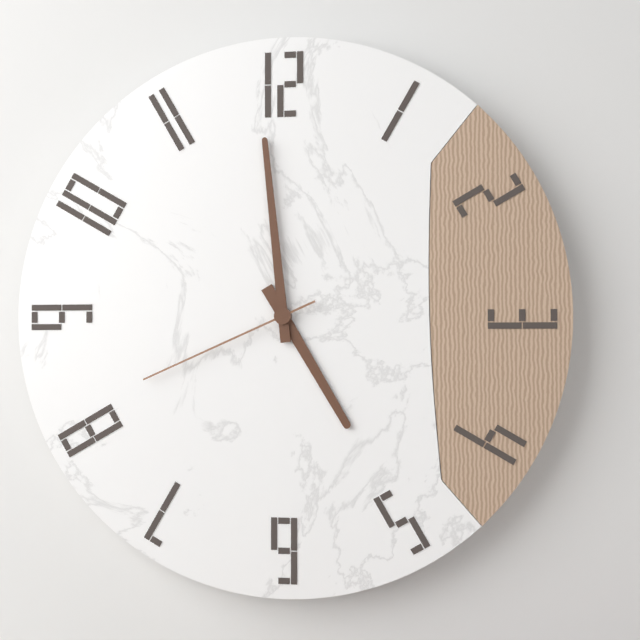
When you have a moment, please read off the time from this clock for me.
4:59:41
